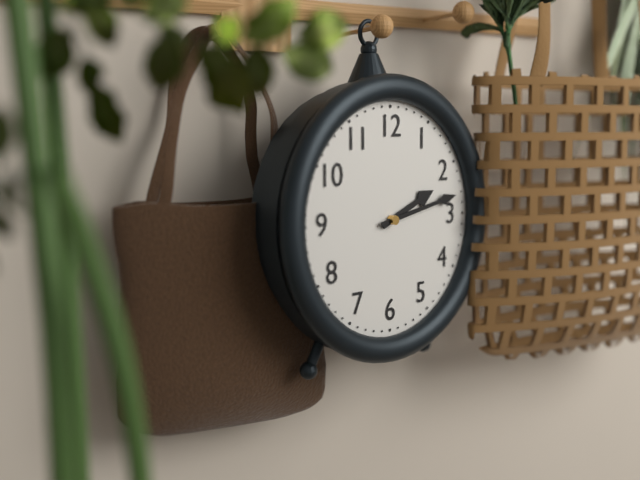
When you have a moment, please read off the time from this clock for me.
2:13
